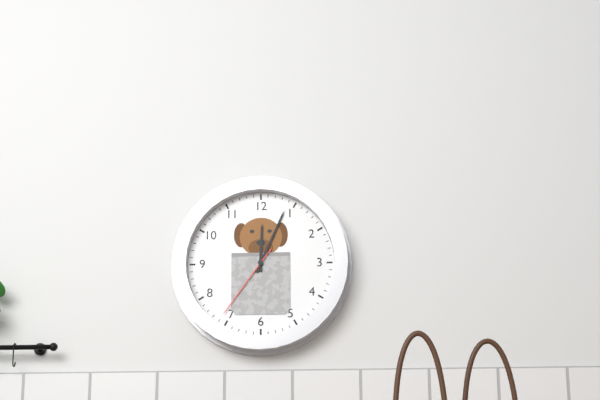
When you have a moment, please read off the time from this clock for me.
12:04:36
